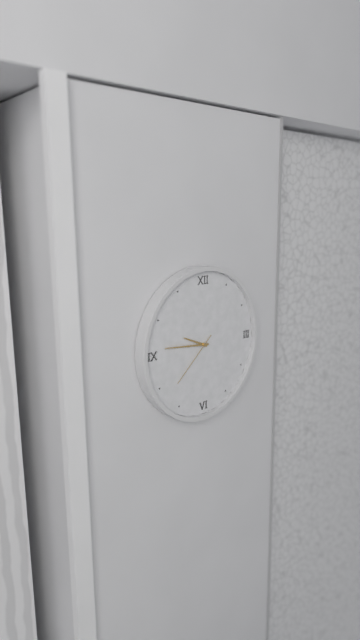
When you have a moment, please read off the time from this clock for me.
9:46:38
